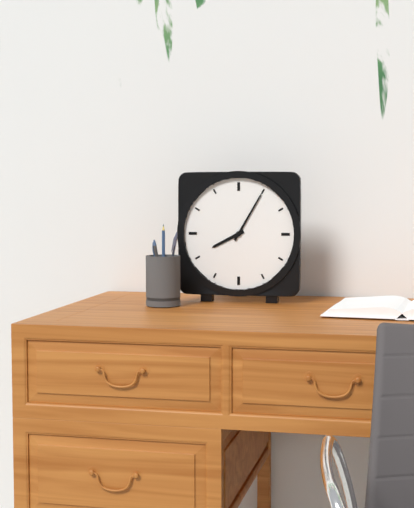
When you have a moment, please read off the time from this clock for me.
8:05
